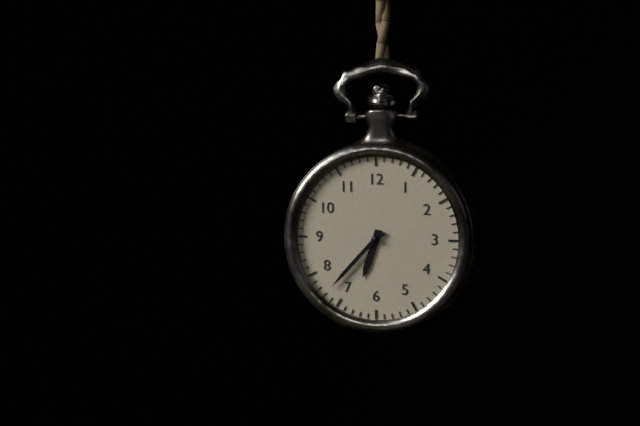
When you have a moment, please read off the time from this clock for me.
6:37
